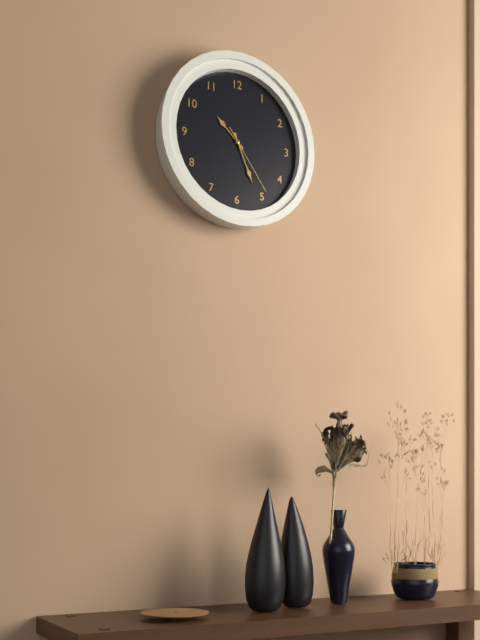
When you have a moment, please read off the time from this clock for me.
10:26:24
